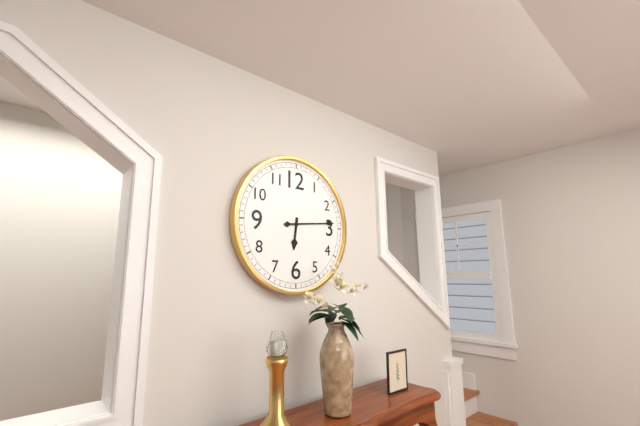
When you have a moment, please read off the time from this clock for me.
6:14
